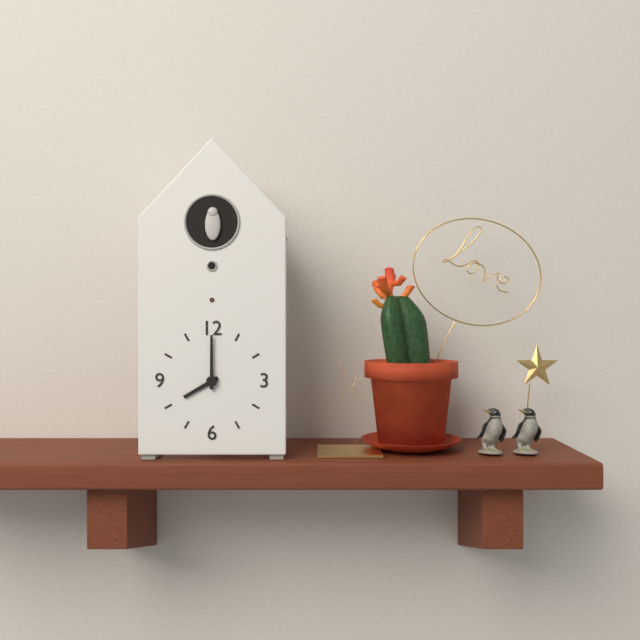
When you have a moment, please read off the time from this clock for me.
8:00
